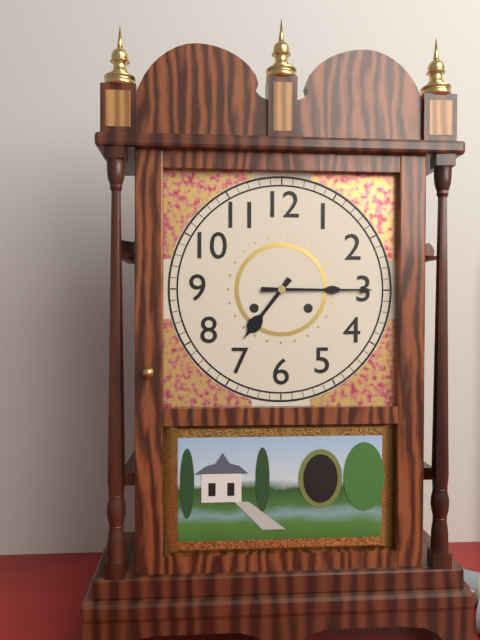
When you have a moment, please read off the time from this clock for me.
7:15
